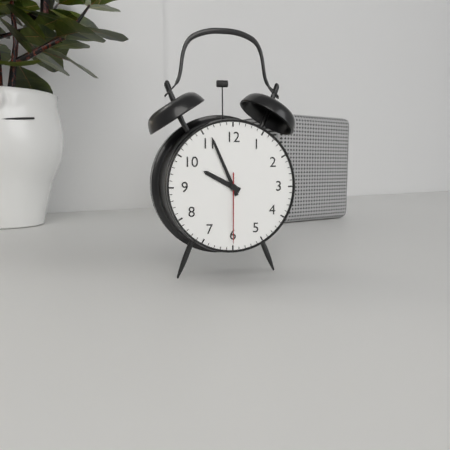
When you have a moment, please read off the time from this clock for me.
9:56:30
